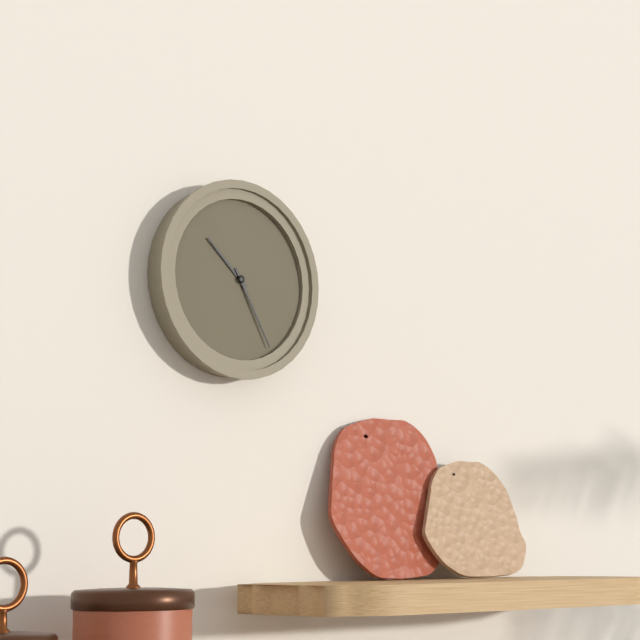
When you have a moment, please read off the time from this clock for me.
10:25
